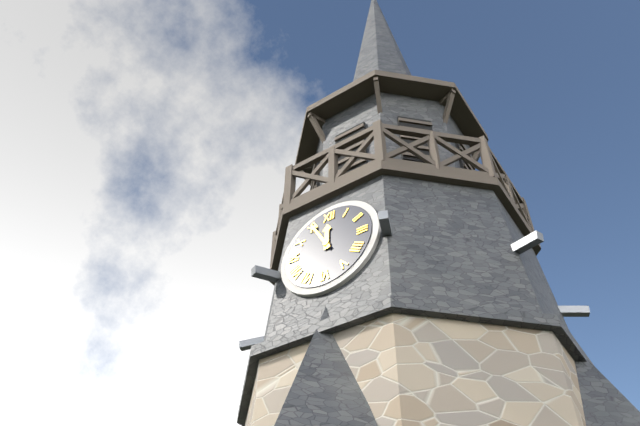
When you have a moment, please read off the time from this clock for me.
11:55
